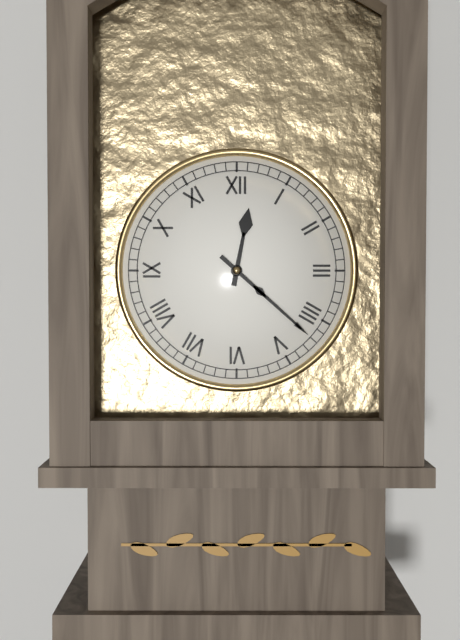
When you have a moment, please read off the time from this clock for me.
12:22
